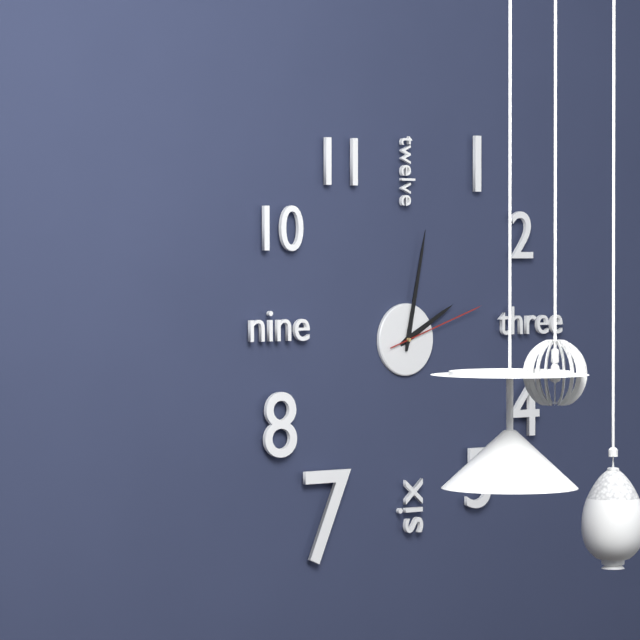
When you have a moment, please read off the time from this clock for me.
2:02:12
